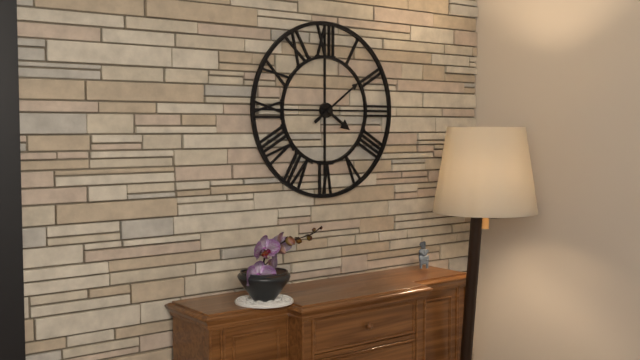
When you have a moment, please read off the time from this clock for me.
4:09
